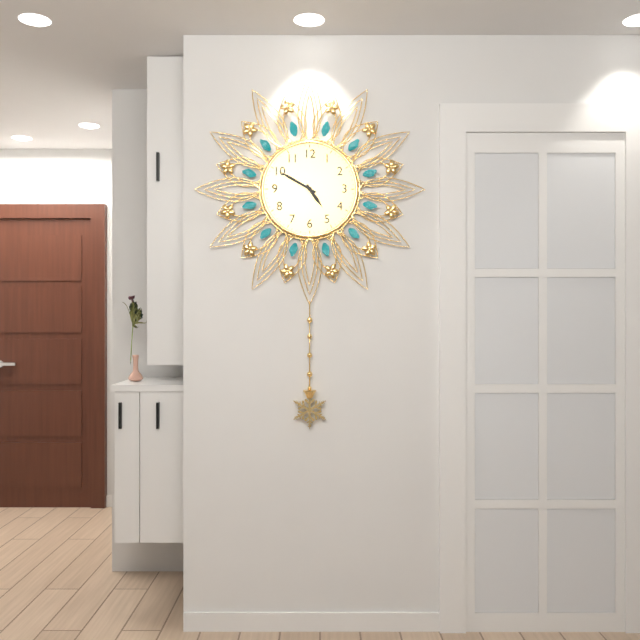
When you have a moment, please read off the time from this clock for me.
4:50
